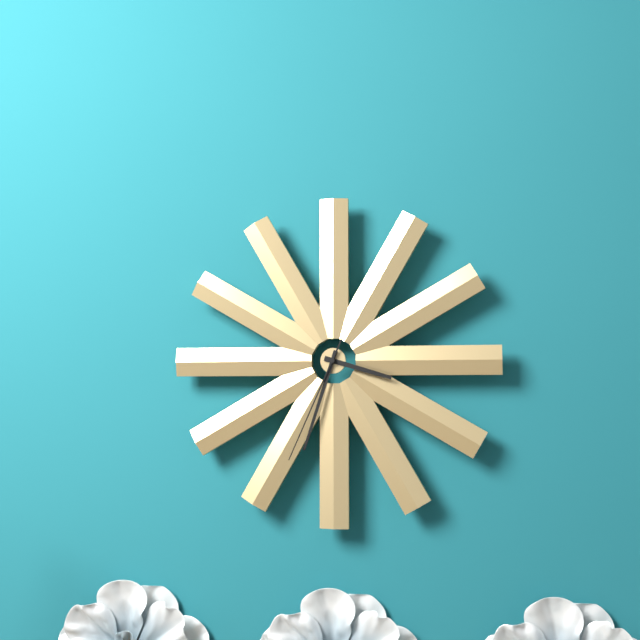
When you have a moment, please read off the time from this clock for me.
3:33:34
